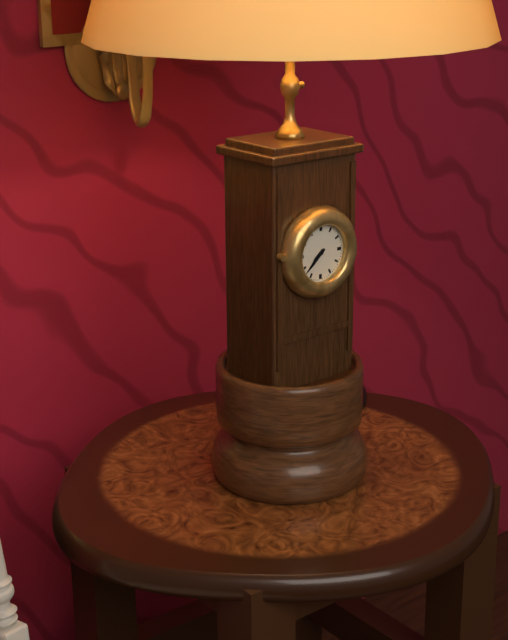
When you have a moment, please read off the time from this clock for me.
7:38
